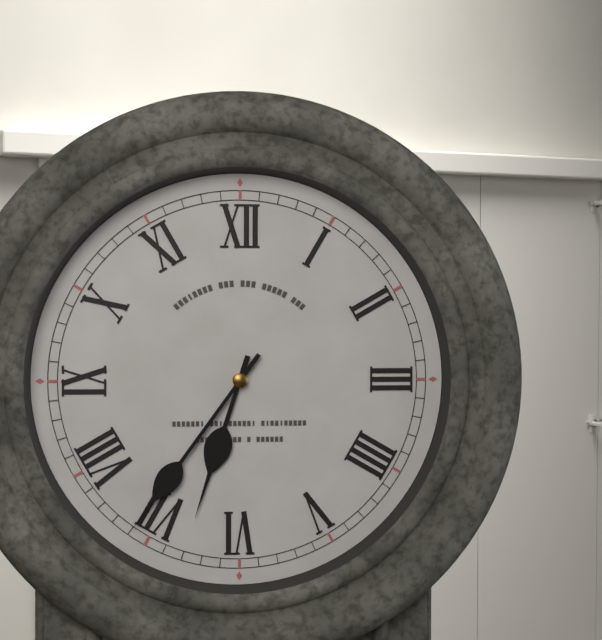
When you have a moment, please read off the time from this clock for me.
6:36
